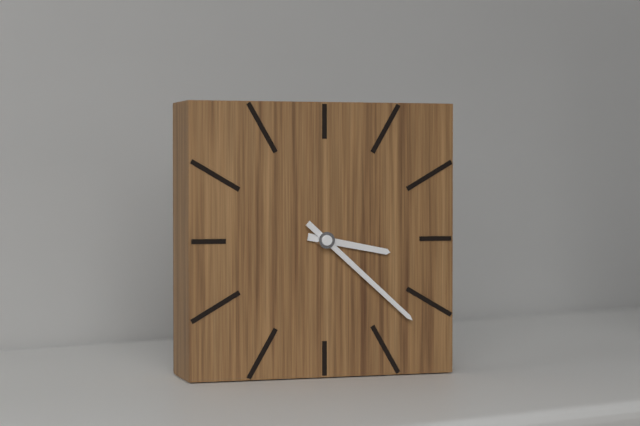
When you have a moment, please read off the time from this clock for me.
3:22
